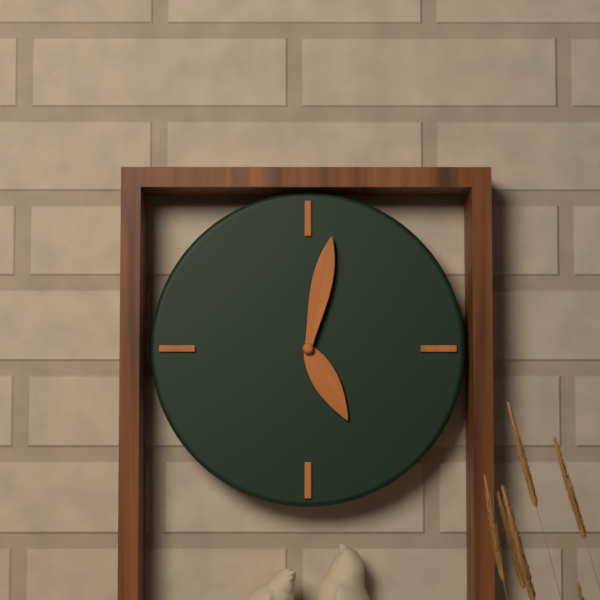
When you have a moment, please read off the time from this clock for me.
5:02
